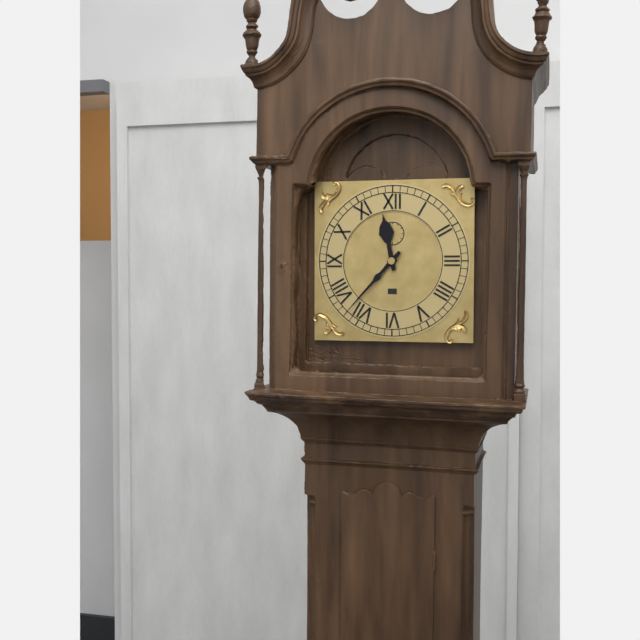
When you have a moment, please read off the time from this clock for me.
11:37
